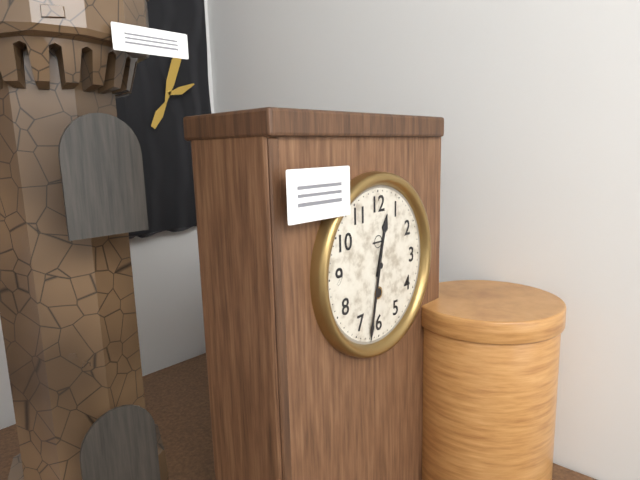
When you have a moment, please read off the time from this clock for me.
12:32
